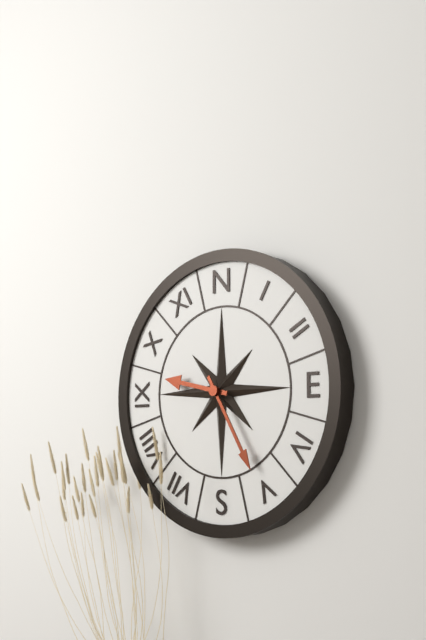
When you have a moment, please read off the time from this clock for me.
9:25
